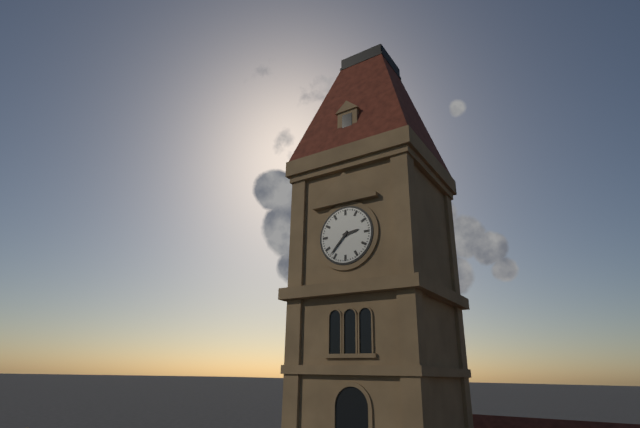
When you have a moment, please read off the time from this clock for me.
2:37
